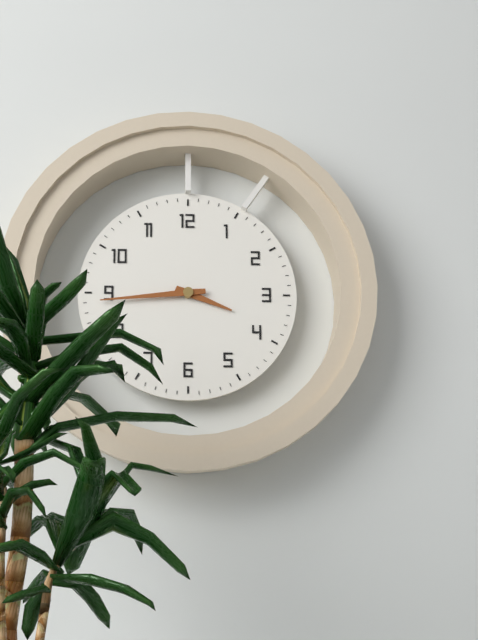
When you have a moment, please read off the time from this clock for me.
3:44
